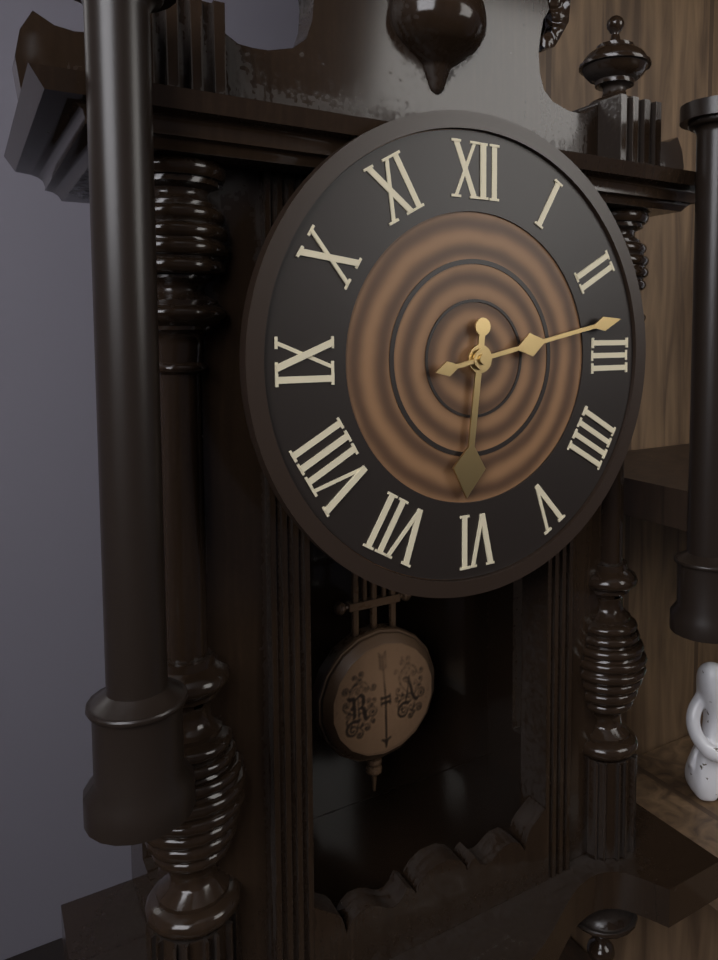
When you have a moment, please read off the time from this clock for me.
6:13
